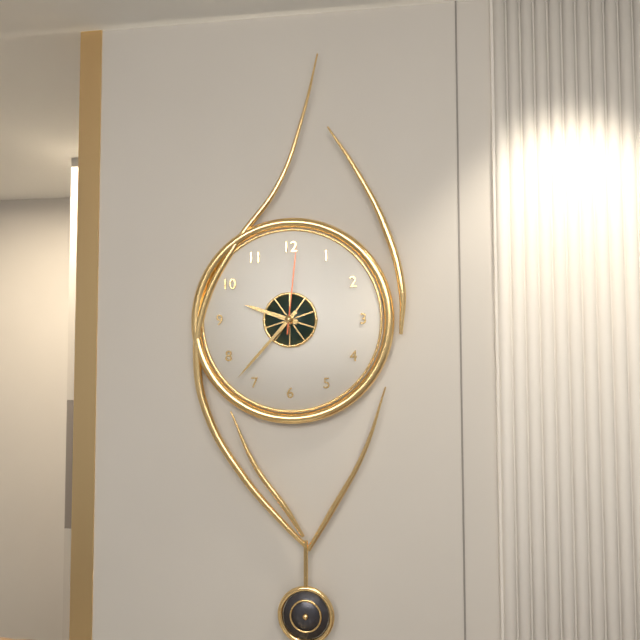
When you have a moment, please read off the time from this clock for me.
9:37:01
